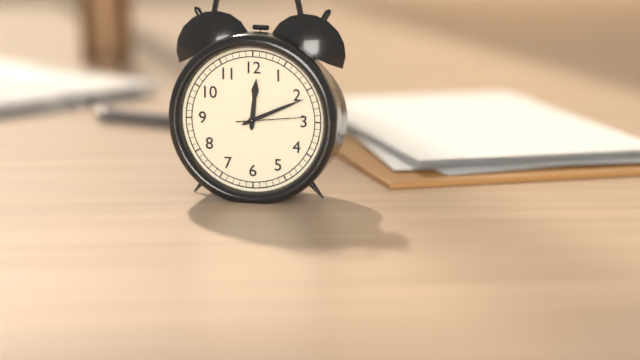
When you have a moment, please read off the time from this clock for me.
12:11:14
